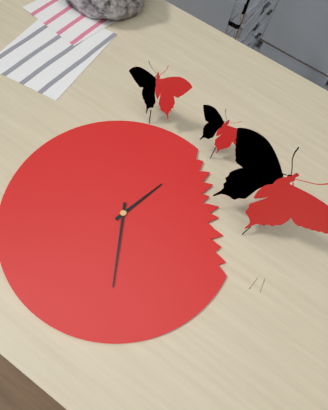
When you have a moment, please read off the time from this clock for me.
12:25
